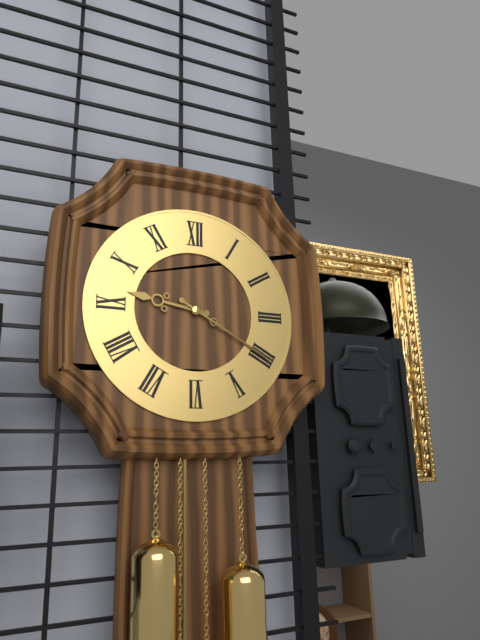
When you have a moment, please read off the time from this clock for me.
9:20
